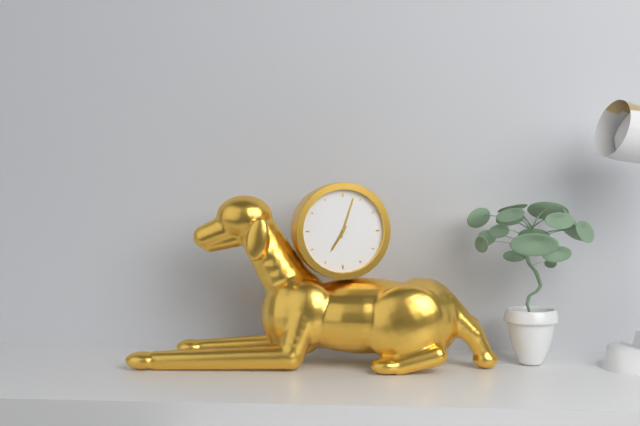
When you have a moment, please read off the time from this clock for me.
7:03
